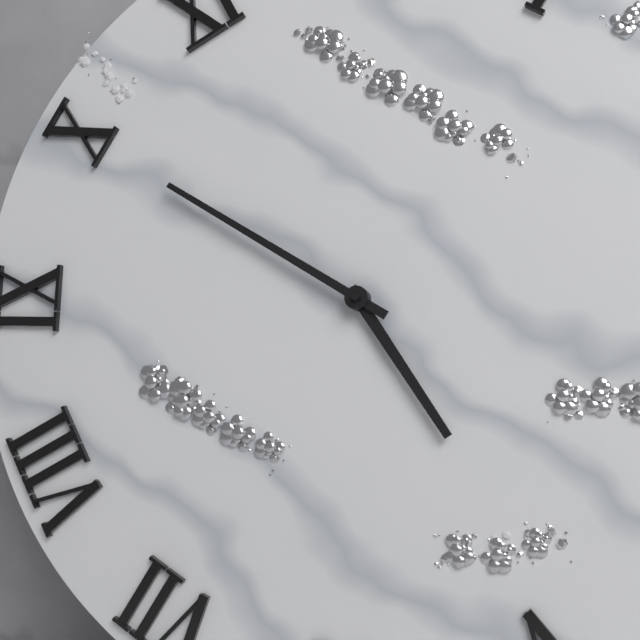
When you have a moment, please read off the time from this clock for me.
4:50
